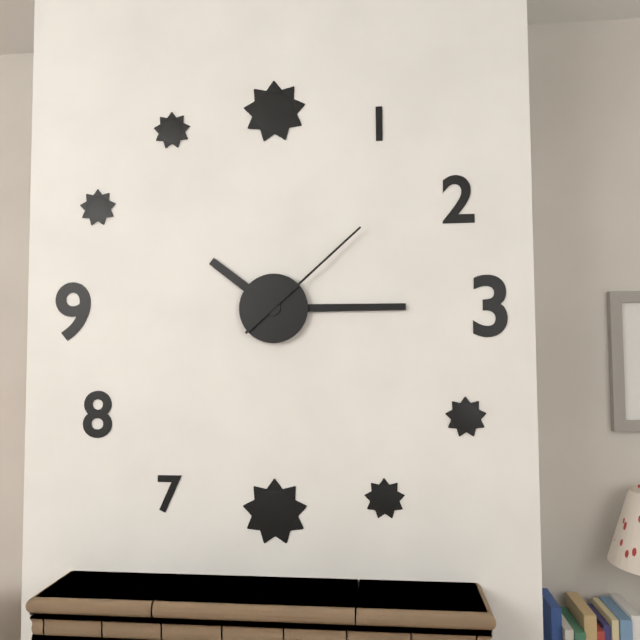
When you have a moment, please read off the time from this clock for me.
10:15:08
